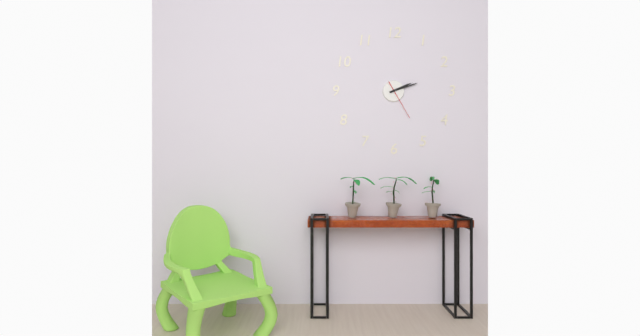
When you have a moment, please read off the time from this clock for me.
2:12
